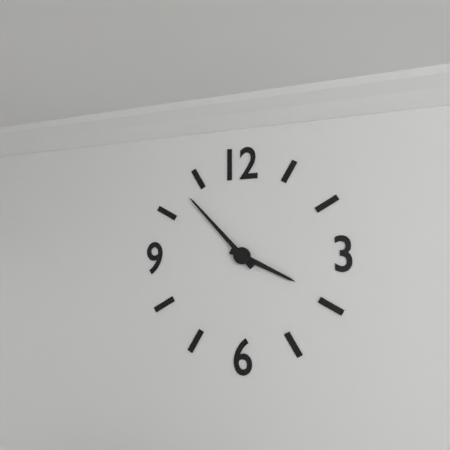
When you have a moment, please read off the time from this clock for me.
3:53
